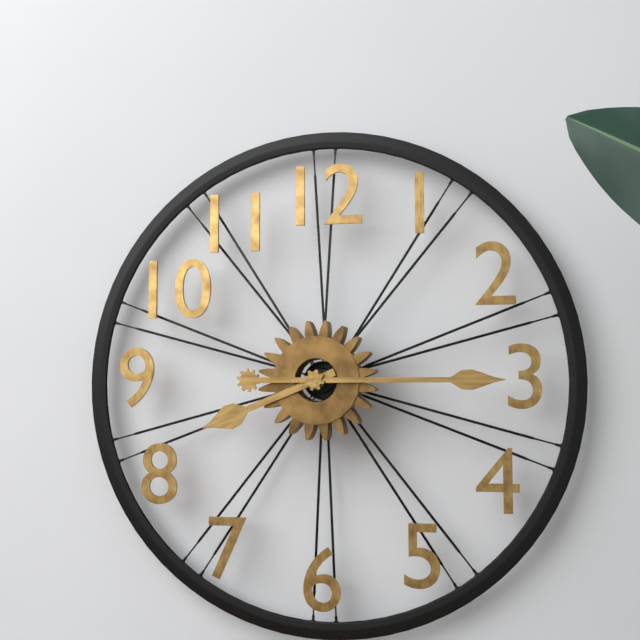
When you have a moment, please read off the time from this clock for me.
8:15
